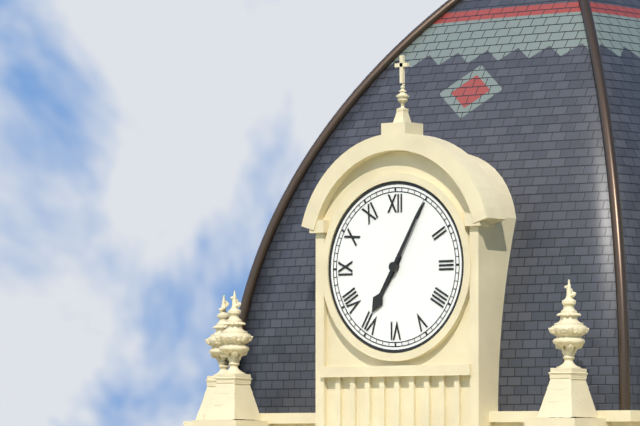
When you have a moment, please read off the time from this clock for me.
7:05
